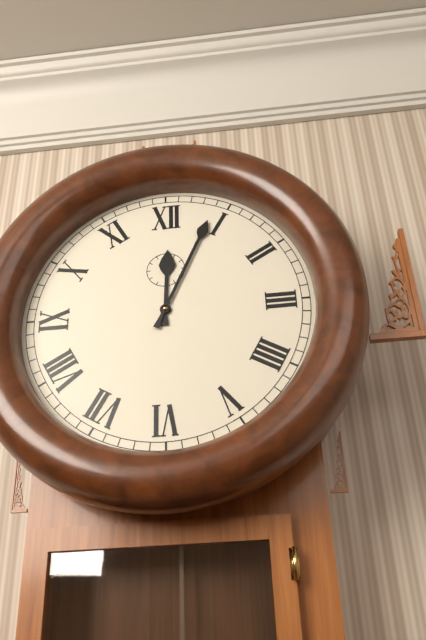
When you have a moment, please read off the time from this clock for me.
12:04
